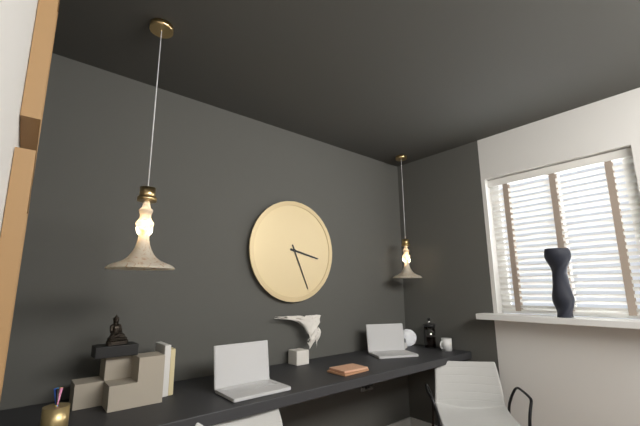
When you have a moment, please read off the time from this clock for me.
3:26
